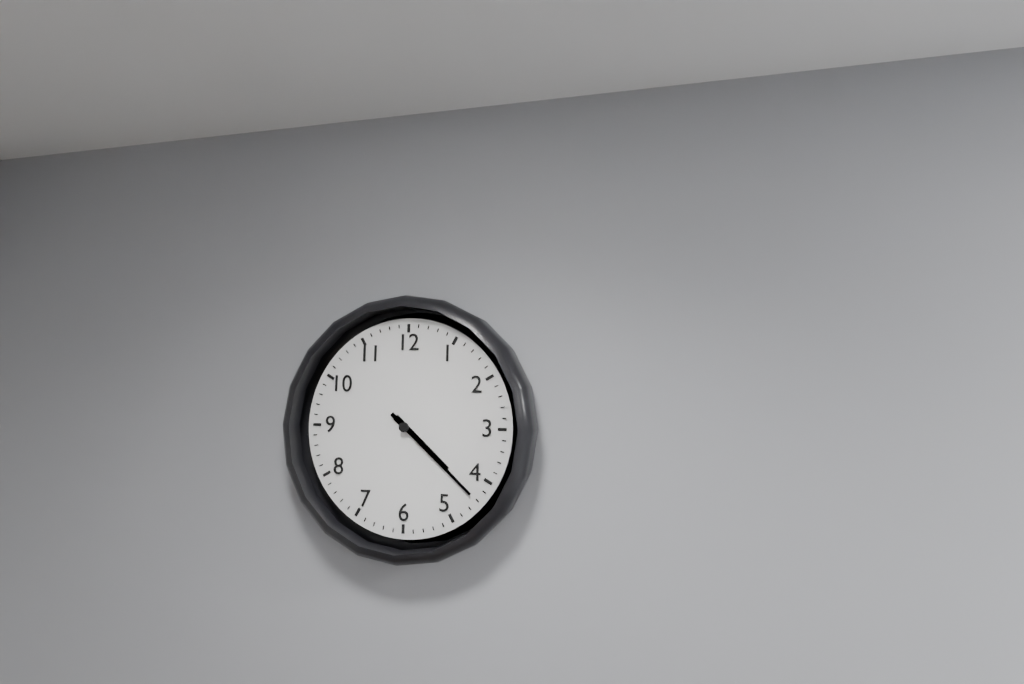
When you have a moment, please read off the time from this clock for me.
4:22
